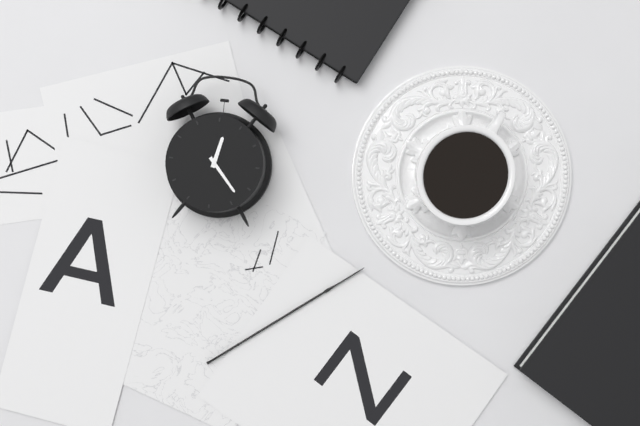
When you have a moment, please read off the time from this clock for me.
12:23
